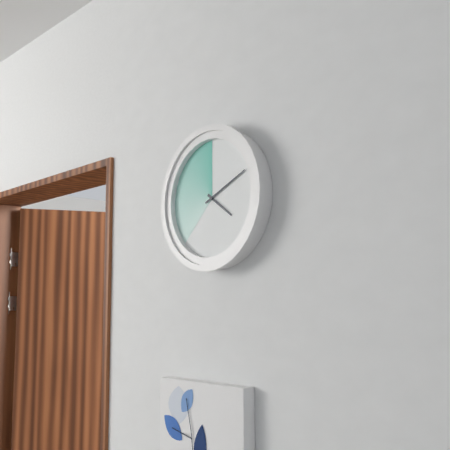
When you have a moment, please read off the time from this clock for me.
4:11
